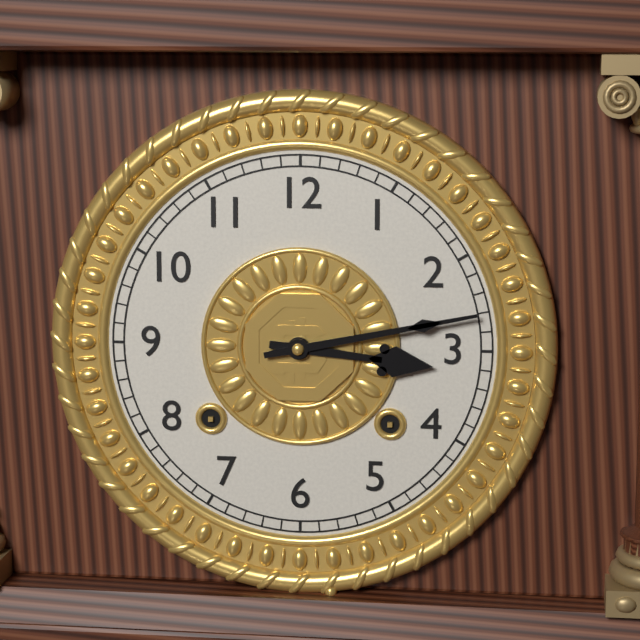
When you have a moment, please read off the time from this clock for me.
3:13
